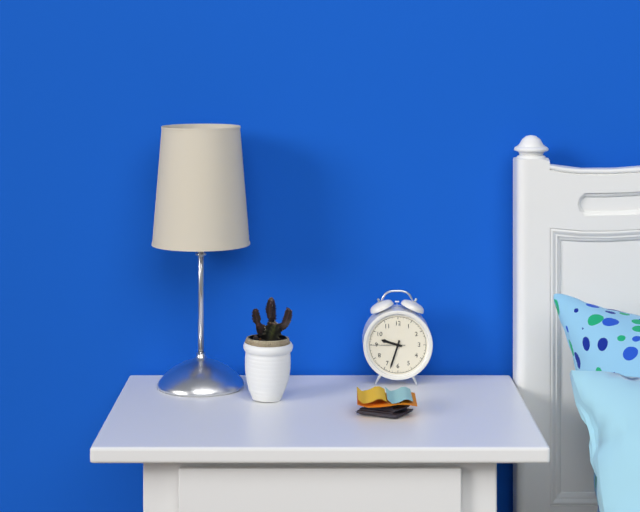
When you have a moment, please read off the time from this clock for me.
9:33
